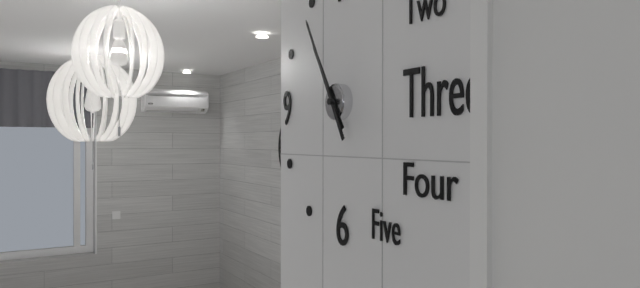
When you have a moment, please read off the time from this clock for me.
10:55
